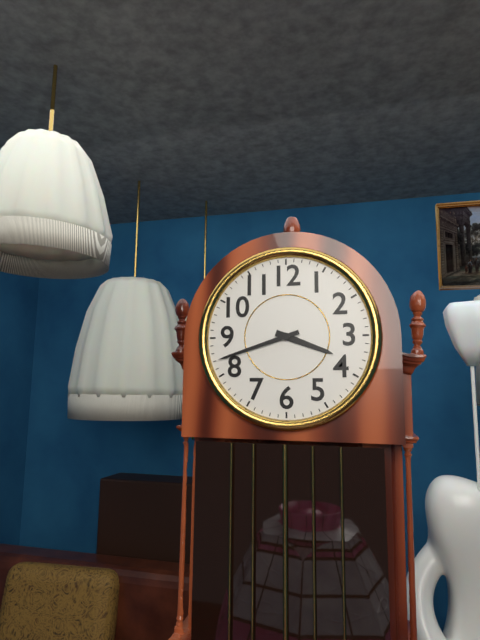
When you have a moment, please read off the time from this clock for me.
3:42
